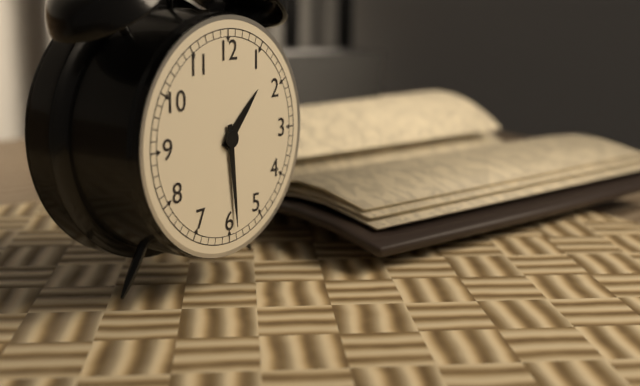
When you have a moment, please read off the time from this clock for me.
1:29
